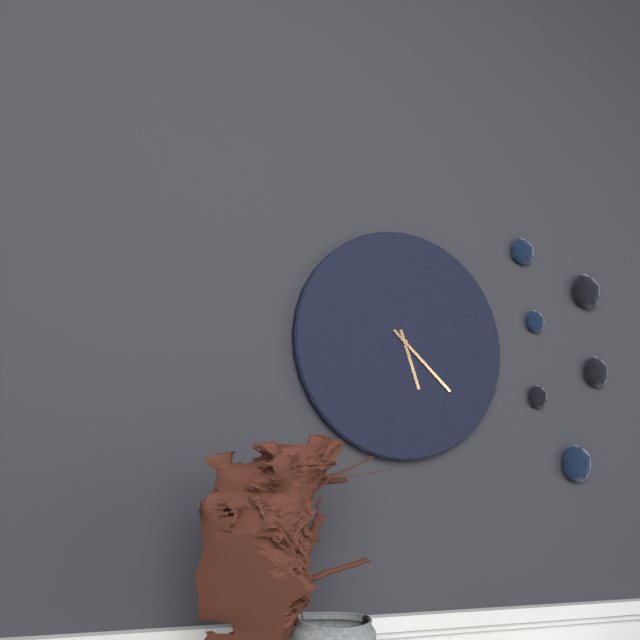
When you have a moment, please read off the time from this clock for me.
5:22
